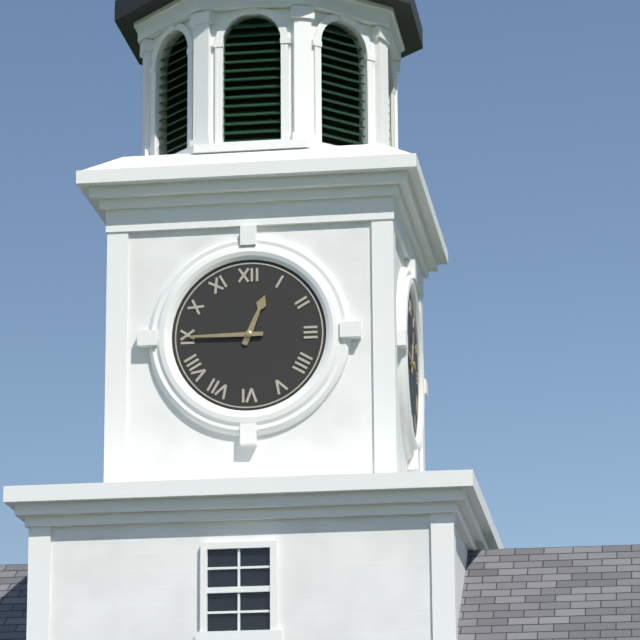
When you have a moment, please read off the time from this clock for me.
12:45
